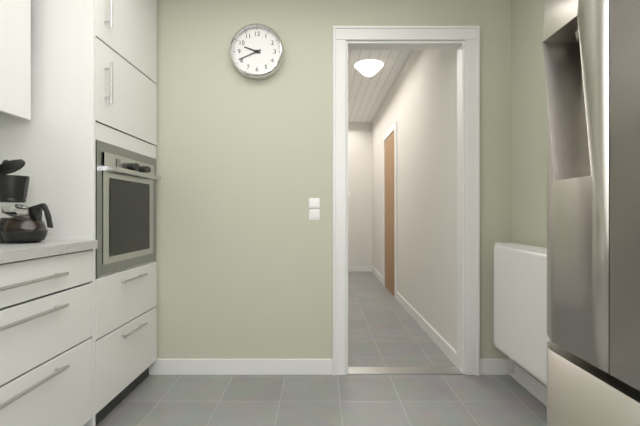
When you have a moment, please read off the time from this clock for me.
9:41
